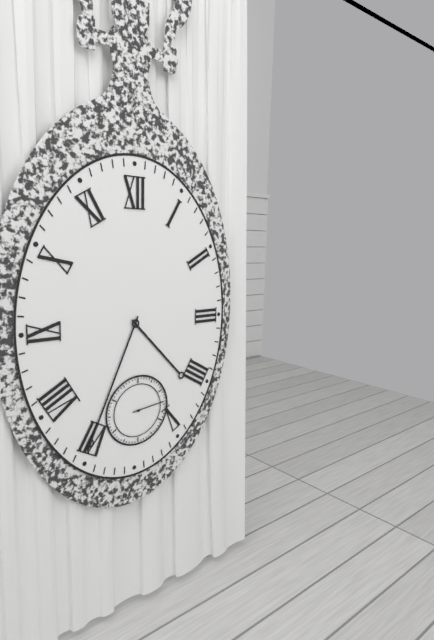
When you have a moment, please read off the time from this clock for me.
4:34
